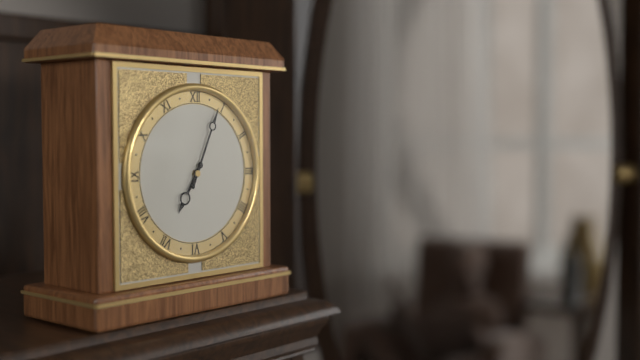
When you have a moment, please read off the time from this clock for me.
7:04
